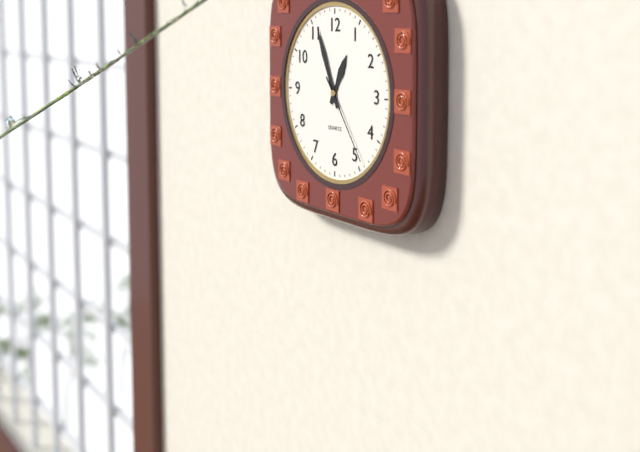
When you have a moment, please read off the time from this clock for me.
12:56:24
